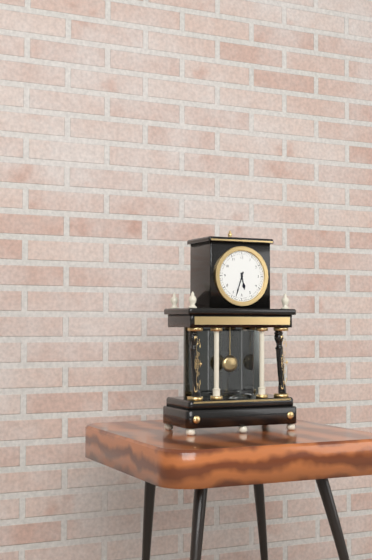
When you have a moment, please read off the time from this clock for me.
5:33
